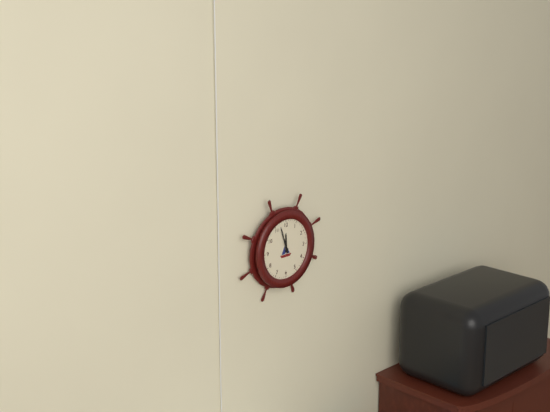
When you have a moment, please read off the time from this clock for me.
11:57
